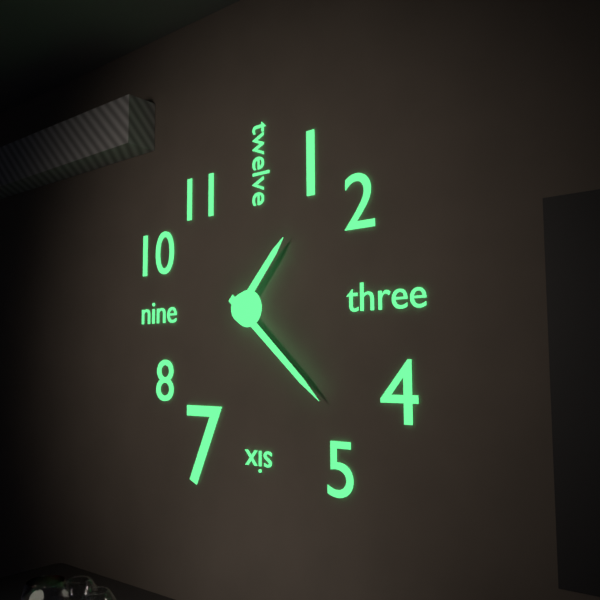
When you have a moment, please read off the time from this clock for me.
1:22
